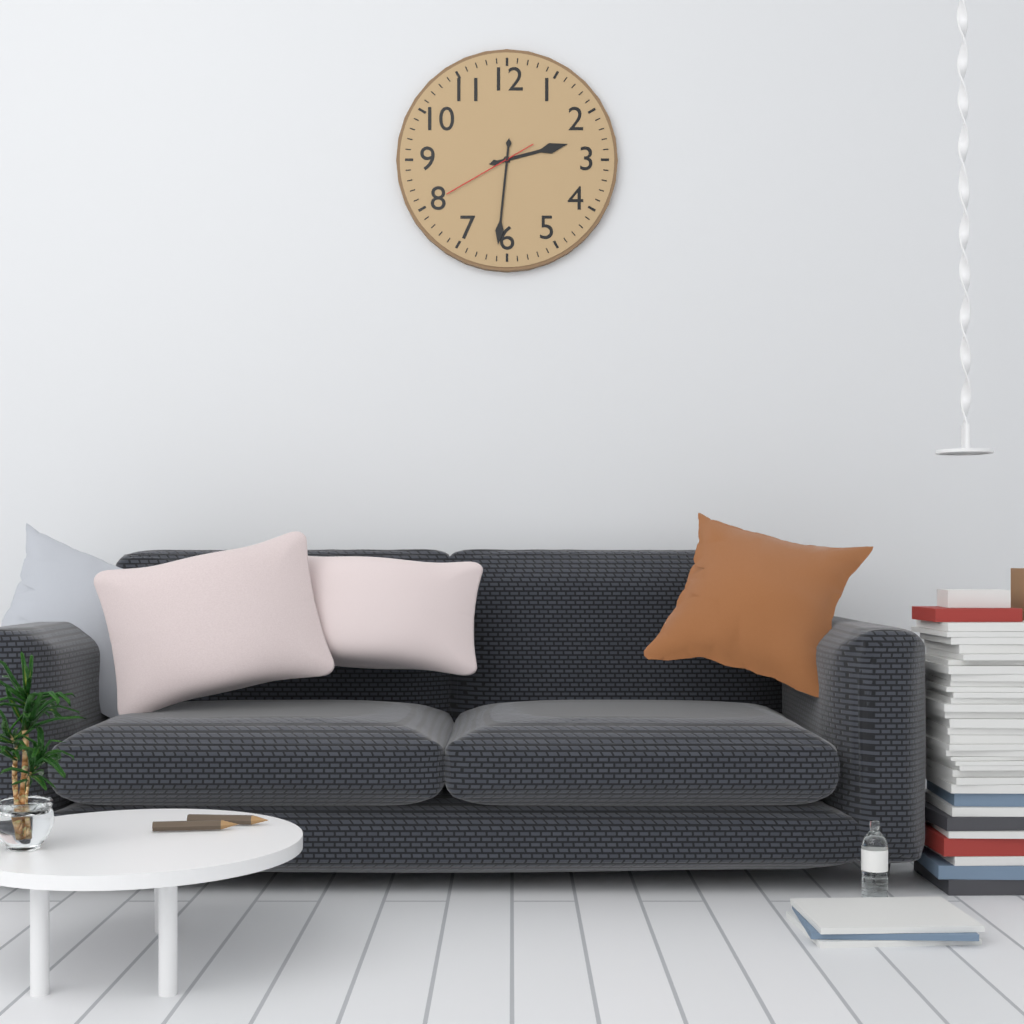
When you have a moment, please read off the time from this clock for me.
2:31:40
